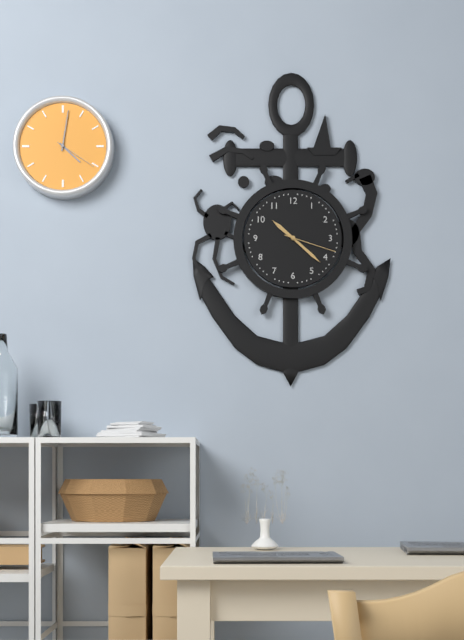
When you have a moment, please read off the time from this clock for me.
10:22:18
